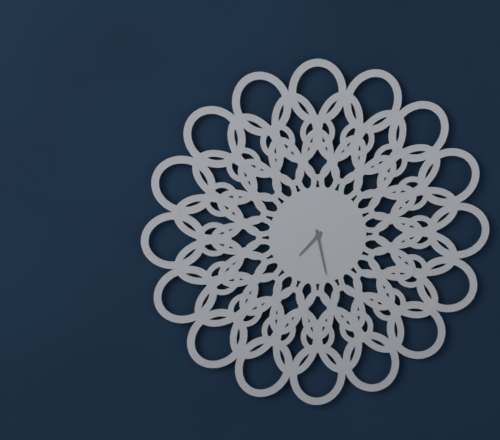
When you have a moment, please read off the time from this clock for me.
7:28
